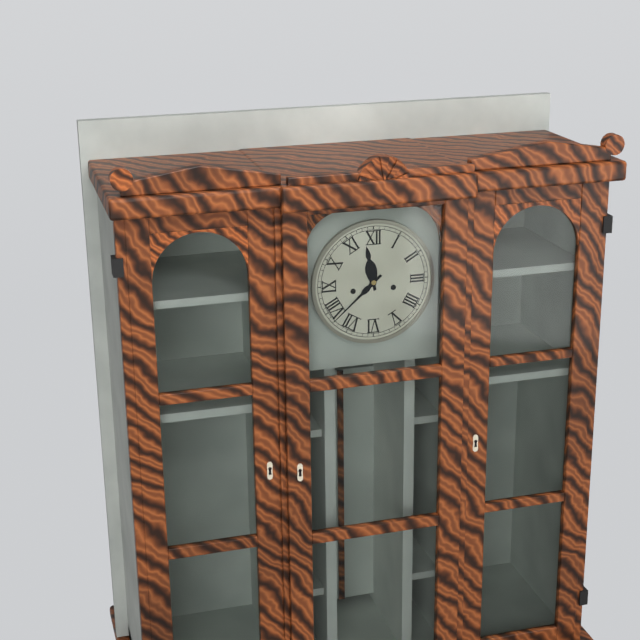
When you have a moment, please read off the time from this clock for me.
11:38
